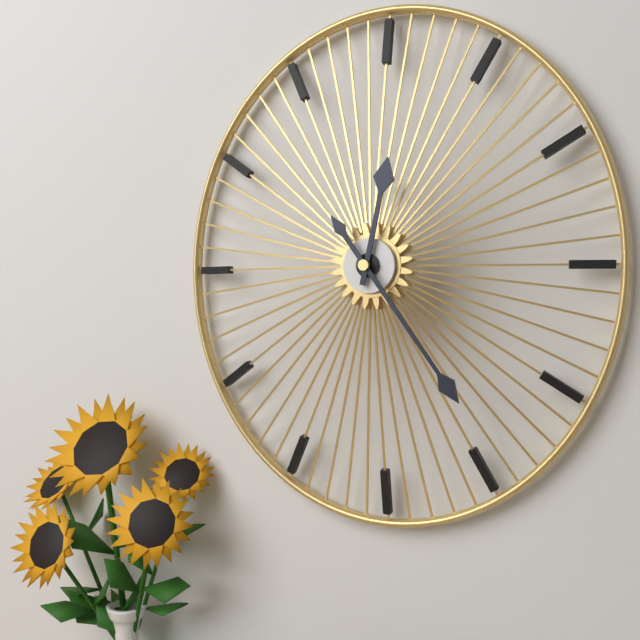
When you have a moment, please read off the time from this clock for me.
12:24
